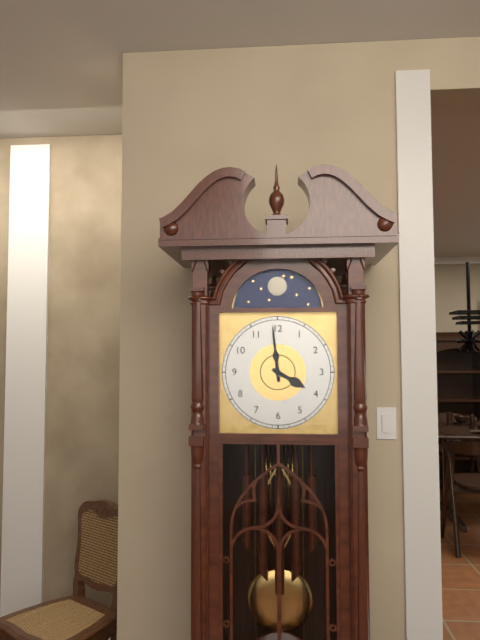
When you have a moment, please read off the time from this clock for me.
3:59
